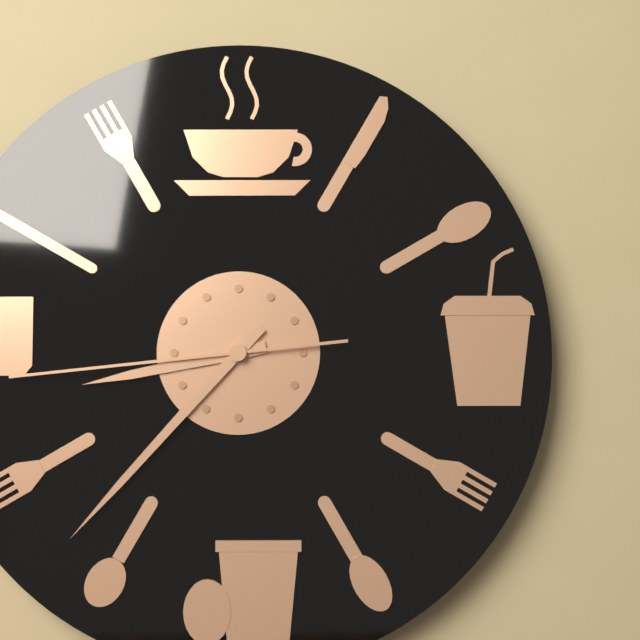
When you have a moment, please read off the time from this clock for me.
8:37:44
